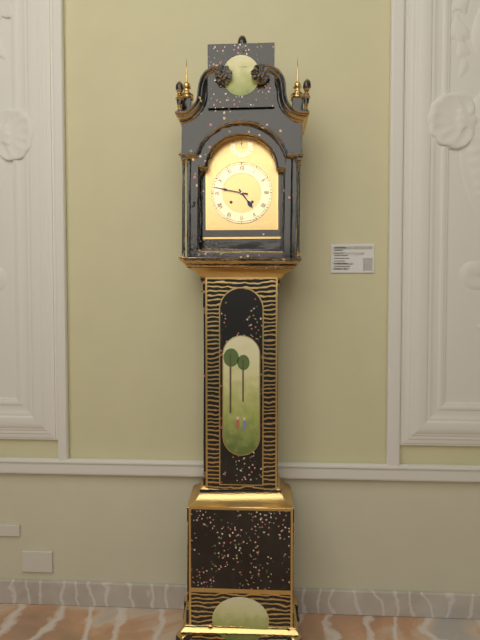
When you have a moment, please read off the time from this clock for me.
4:47
